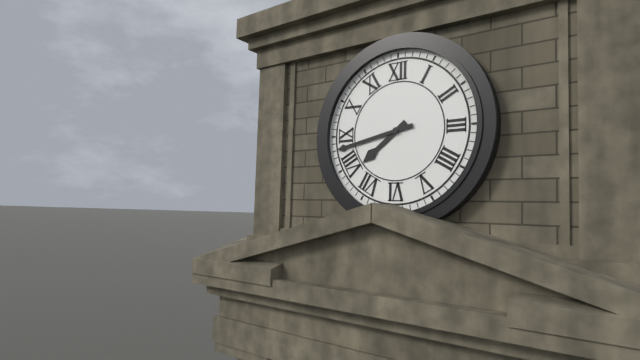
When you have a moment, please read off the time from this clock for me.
7:43
